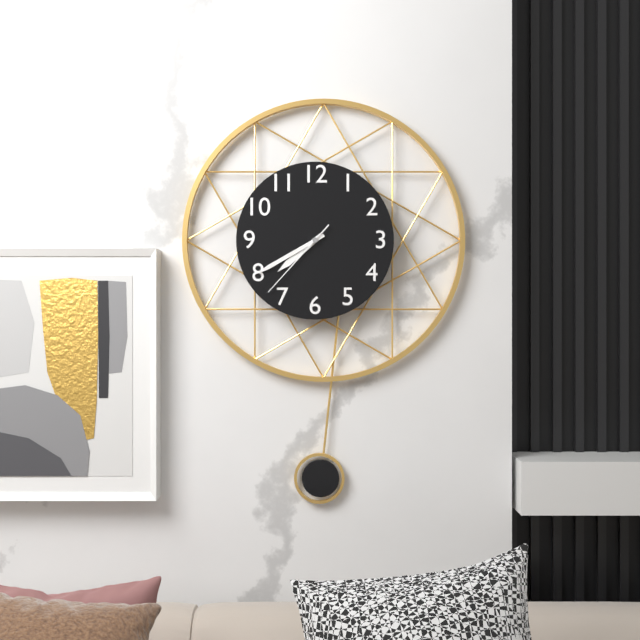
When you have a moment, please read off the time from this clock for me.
7:40:37
